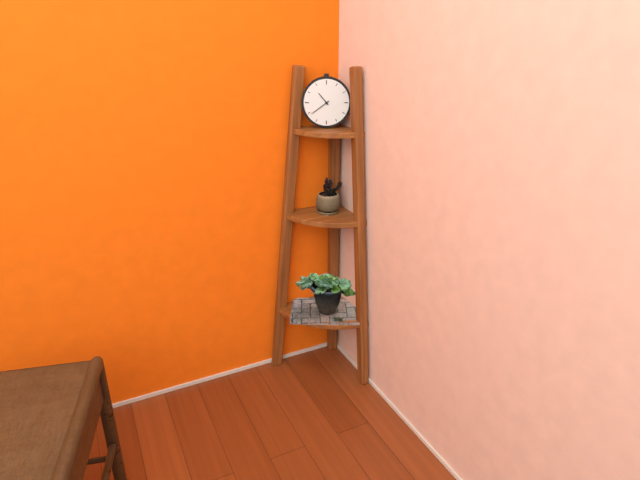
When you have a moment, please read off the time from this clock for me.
10:39
